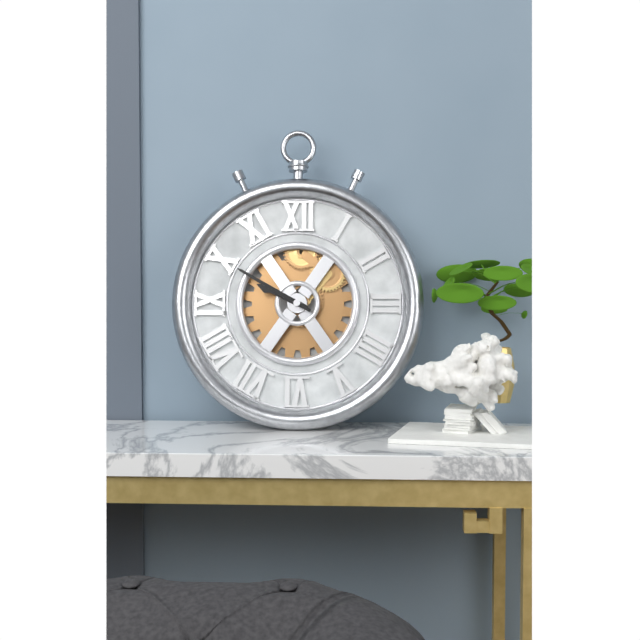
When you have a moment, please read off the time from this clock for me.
9:50
